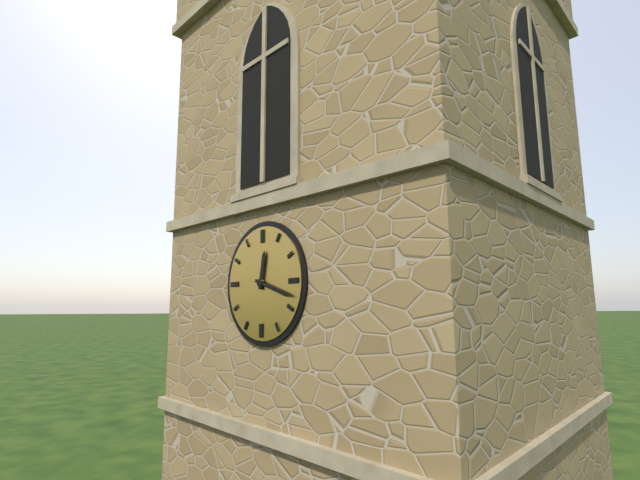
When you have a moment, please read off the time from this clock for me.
12:18
